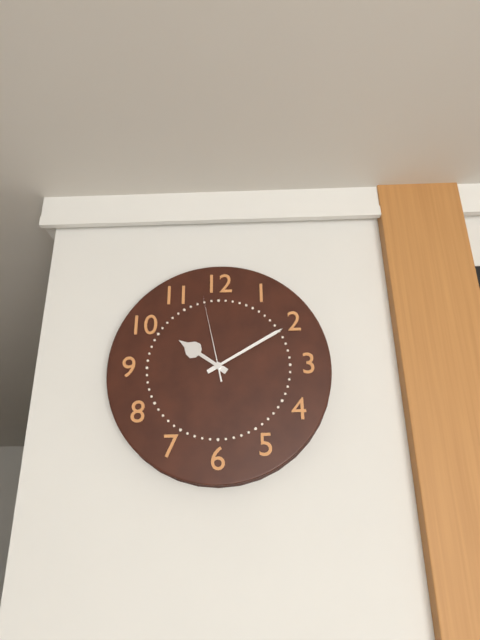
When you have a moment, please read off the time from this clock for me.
10:10:58
